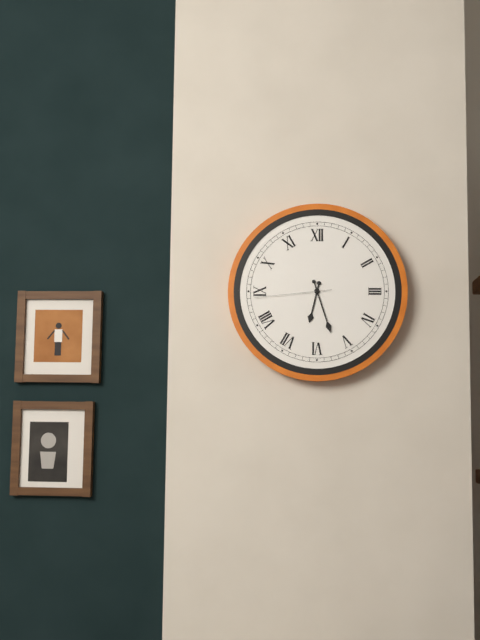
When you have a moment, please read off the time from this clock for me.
6:27:44
